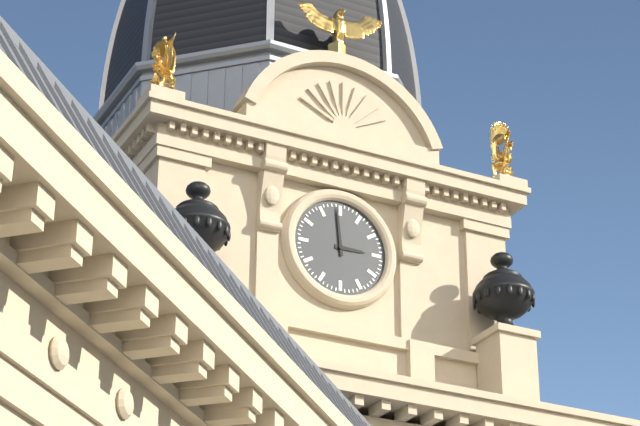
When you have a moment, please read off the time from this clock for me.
2:59
